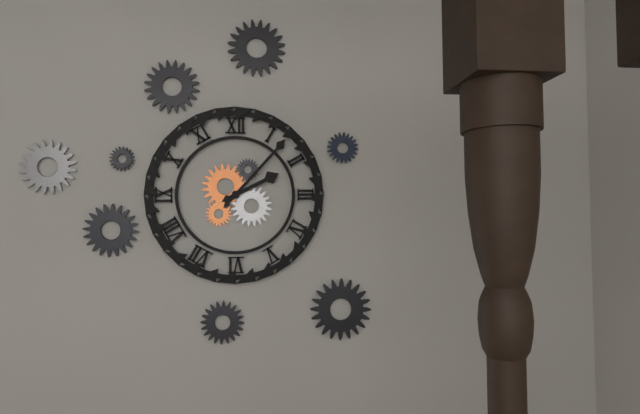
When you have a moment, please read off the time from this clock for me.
2:07
